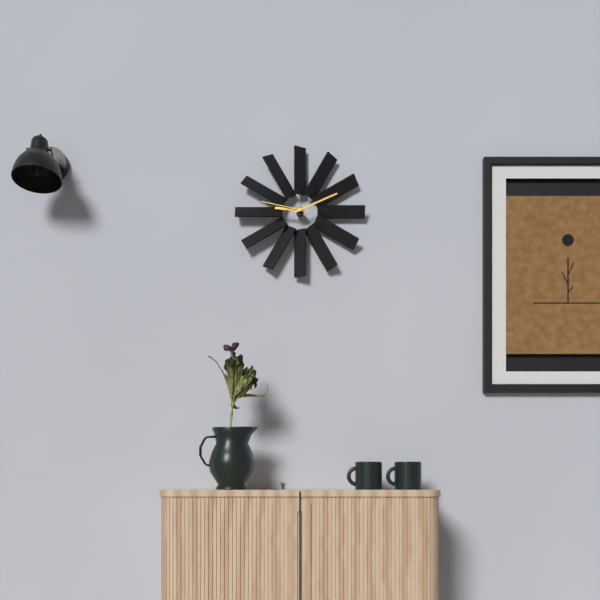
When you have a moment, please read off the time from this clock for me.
9:11
